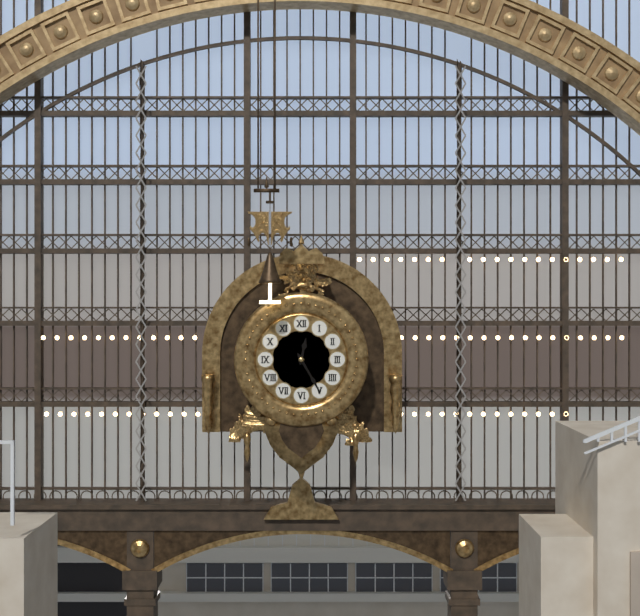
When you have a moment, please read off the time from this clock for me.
12:25
